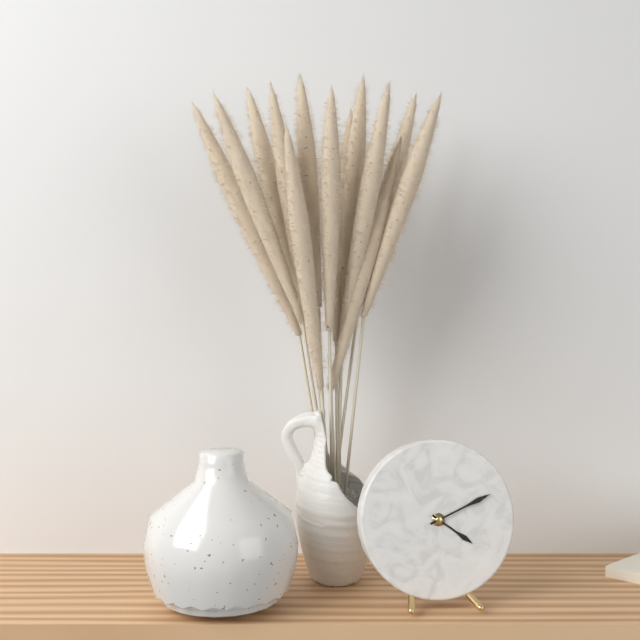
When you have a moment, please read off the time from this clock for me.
4:11
